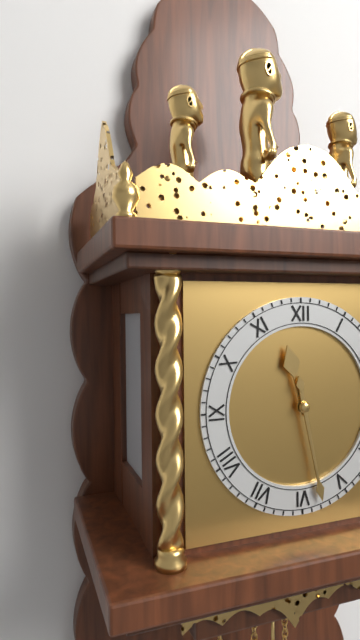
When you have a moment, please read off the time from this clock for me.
11:28
